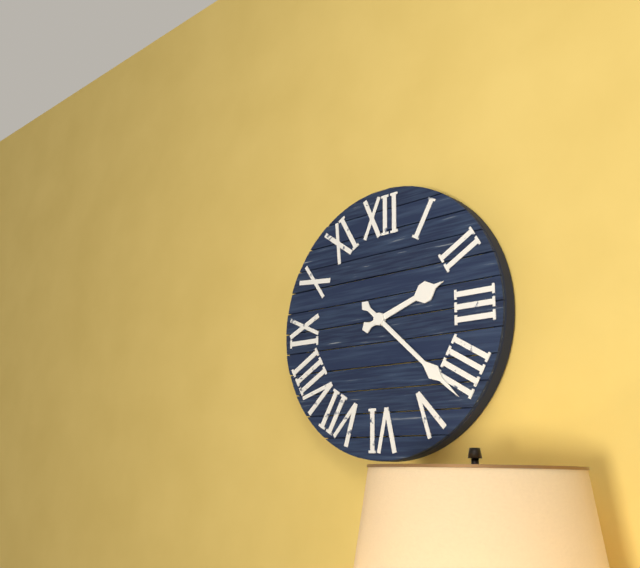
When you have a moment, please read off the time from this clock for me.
2:22
